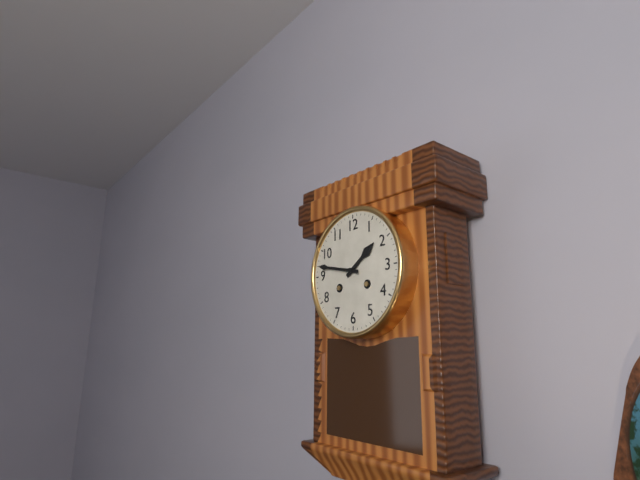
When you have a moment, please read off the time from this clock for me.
1:47
